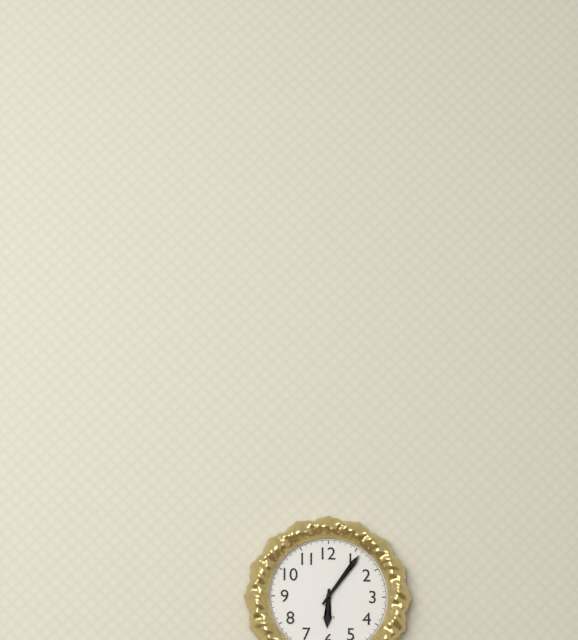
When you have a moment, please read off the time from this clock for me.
6:06
